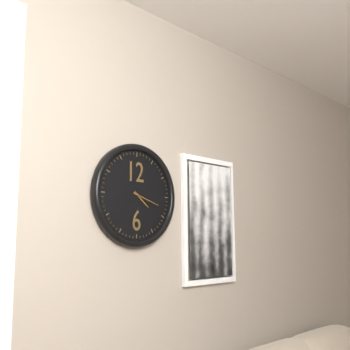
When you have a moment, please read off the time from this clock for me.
4:18
